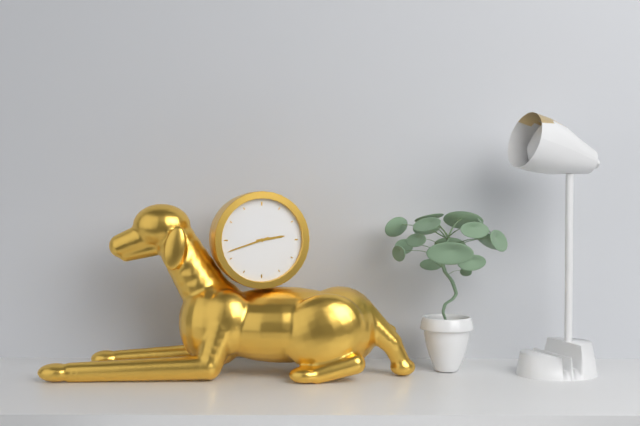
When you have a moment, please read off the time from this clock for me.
2:42
